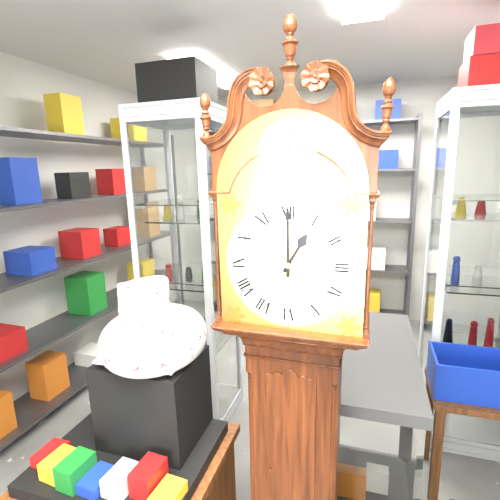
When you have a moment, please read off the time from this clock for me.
1:00
